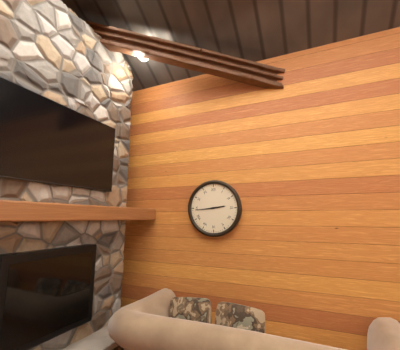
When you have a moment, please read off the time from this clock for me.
2:44
